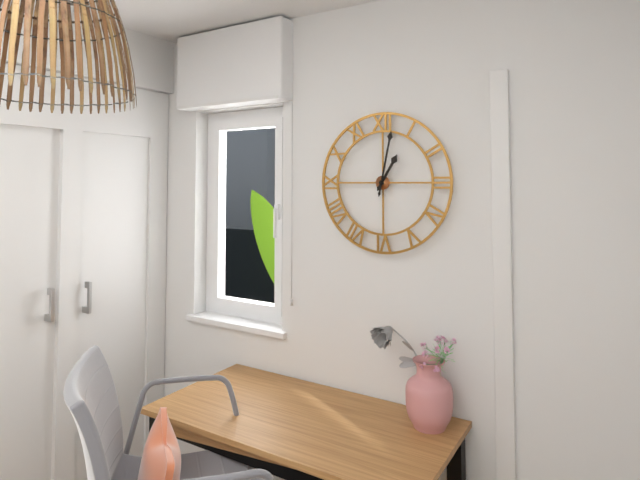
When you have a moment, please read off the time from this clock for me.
1:02
